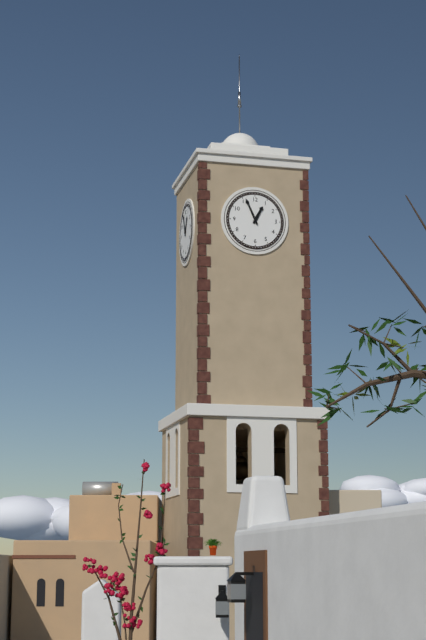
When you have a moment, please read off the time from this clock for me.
12:56
